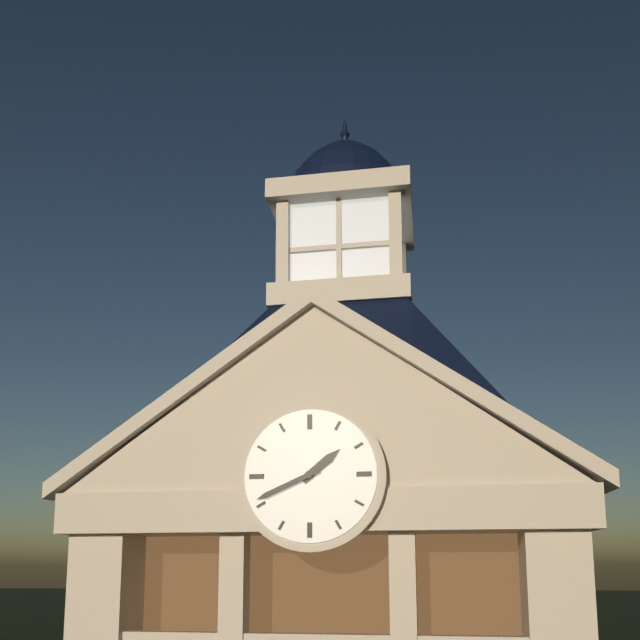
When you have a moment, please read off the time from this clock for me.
1:41
